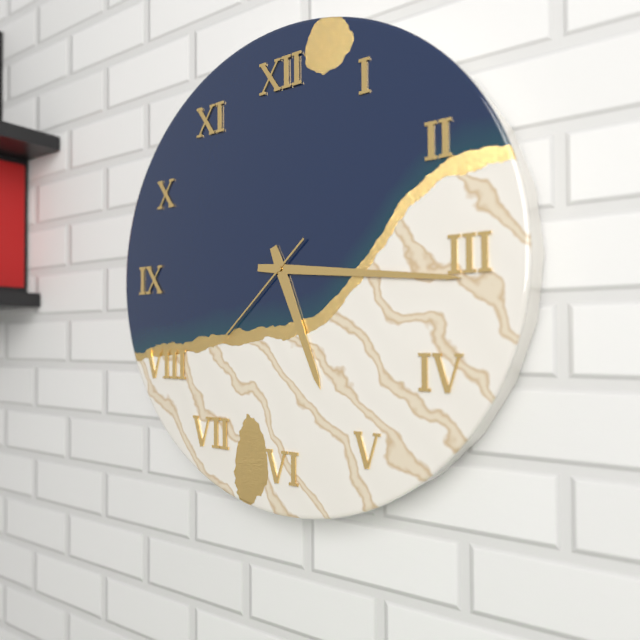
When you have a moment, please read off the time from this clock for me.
5:16:38
